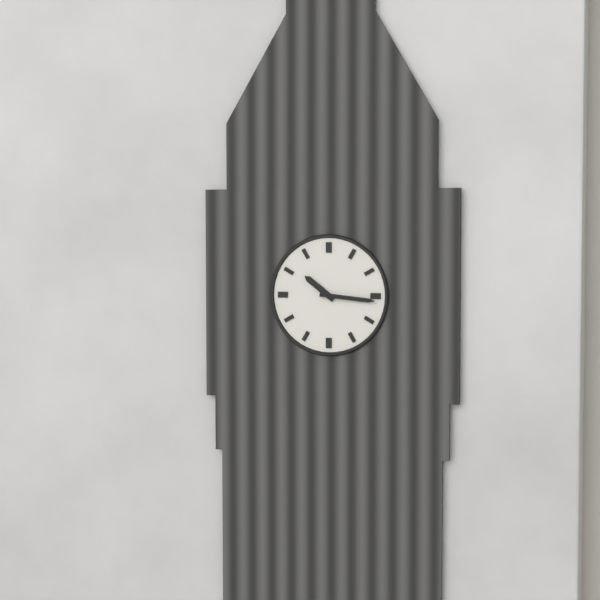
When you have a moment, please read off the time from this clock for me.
10:16
